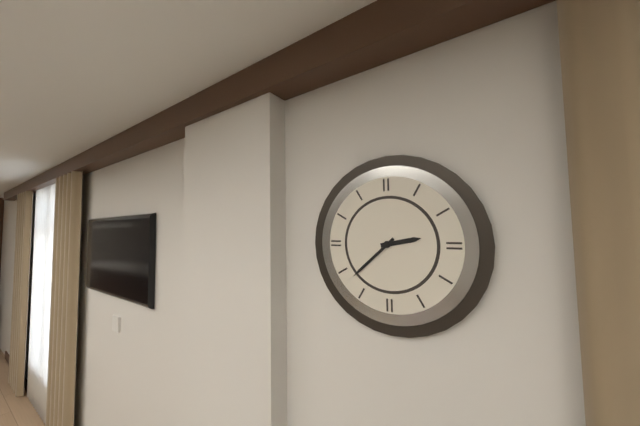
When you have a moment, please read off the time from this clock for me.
2:38
